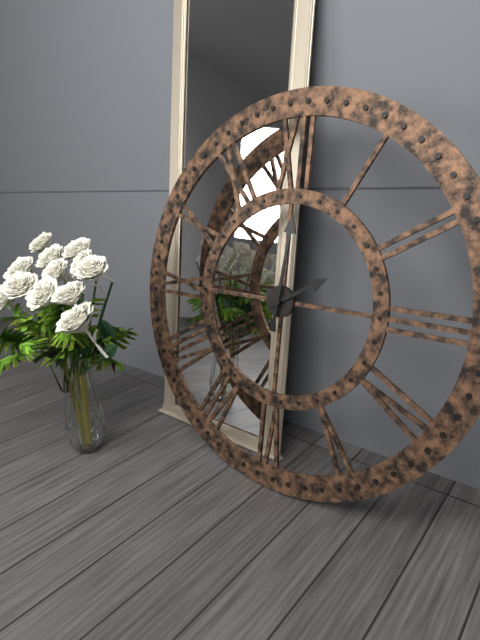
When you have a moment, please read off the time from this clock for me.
2:01
